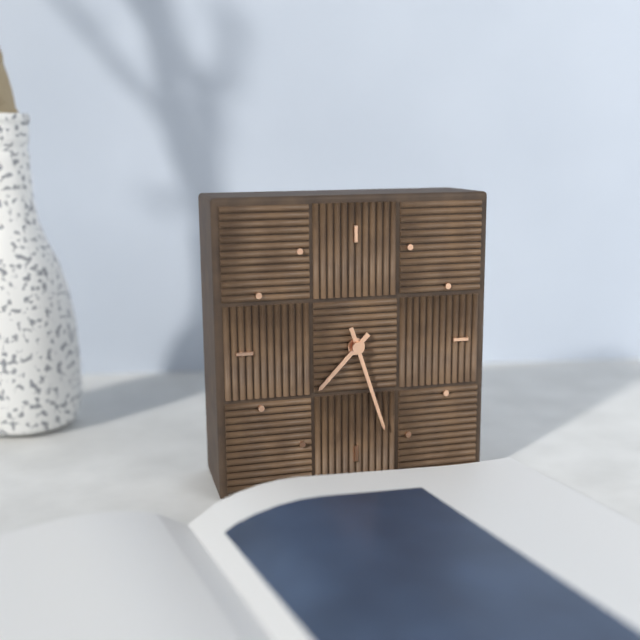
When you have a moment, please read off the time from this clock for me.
7:27
